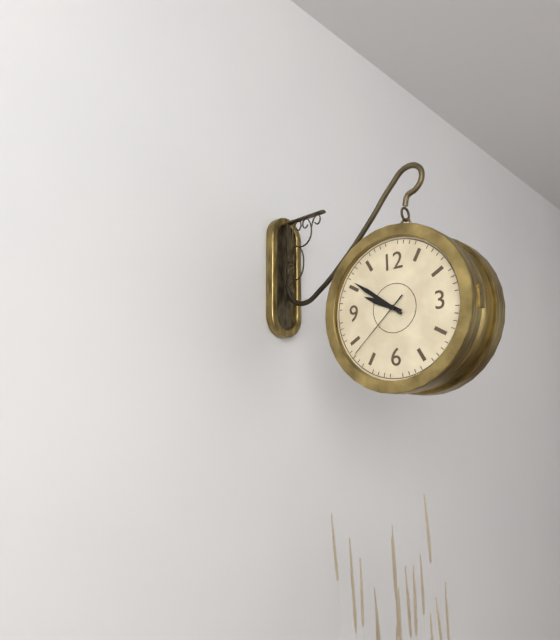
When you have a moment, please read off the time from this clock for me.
9:51:38
